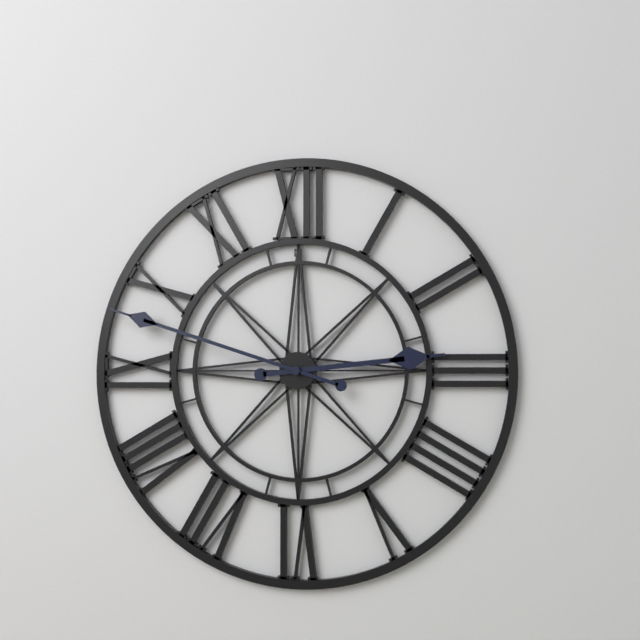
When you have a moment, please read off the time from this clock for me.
2:48
